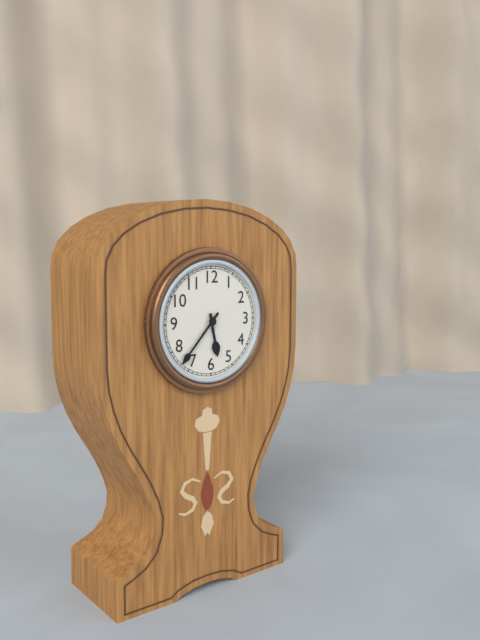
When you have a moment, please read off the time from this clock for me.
5:37
